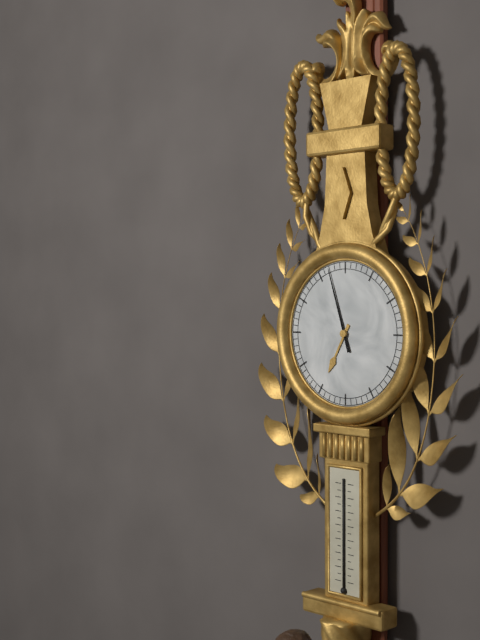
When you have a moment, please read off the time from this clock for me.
6:57
